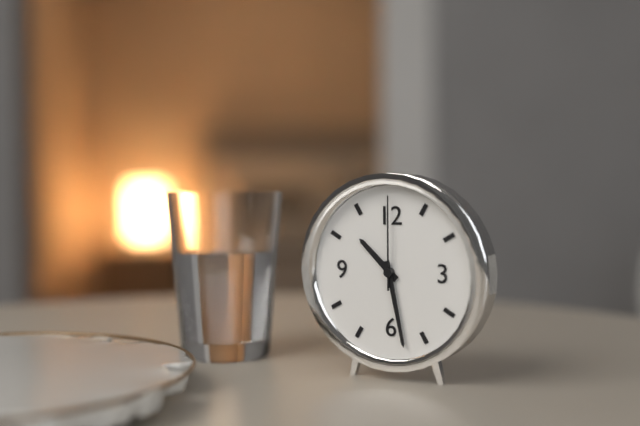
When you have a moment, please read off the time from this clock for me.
10:28:00
